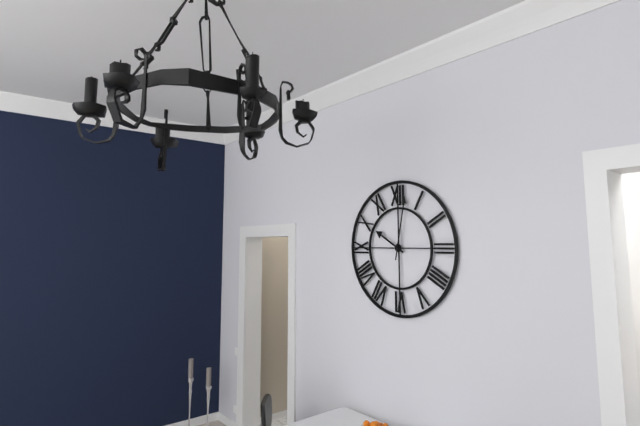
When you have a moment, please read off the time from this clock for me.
10:02
